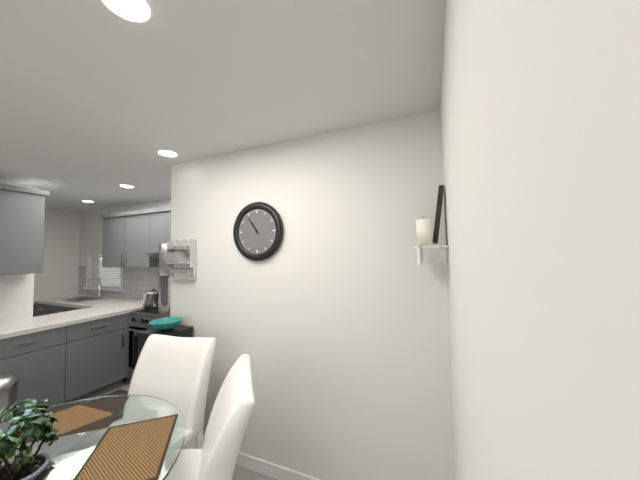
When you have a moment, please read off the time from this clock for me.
10:54
